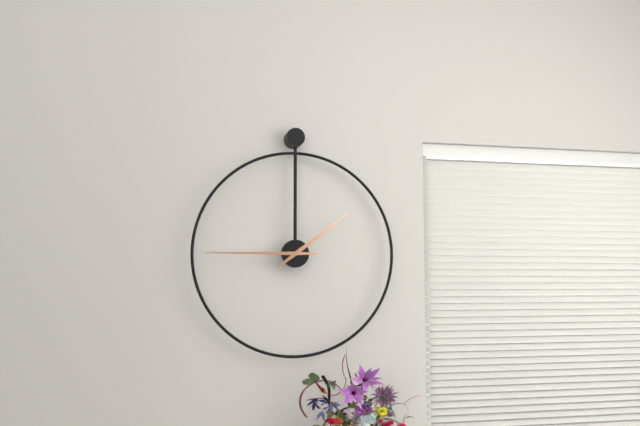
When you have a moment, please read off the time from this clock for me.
1:45
